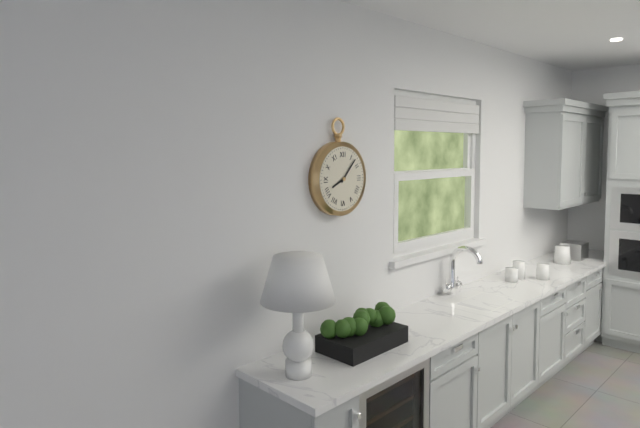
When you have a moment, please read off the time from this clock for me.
8:07
